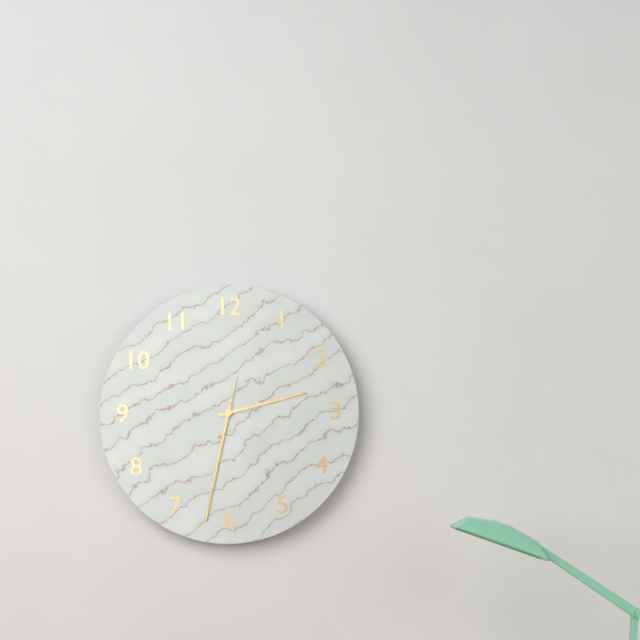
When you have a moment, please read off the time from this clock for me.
2:32:32
